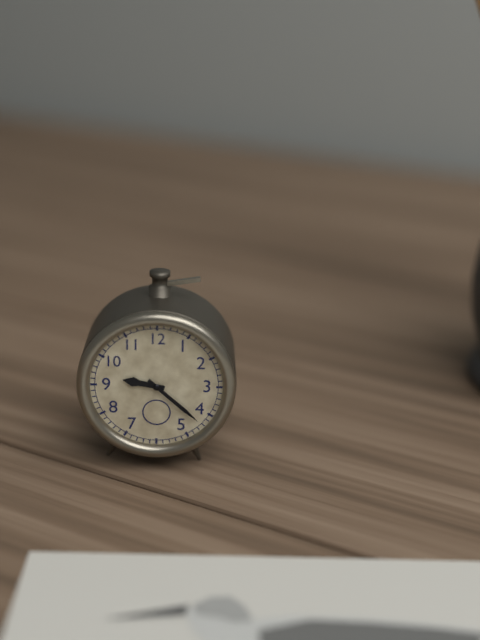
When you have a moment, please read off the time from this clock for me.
9:22
